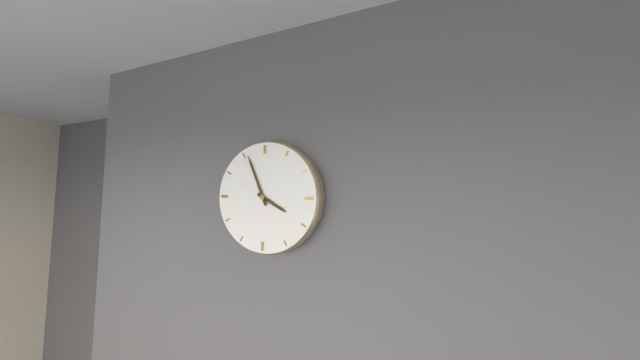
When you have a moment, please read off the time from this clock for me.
3:56
